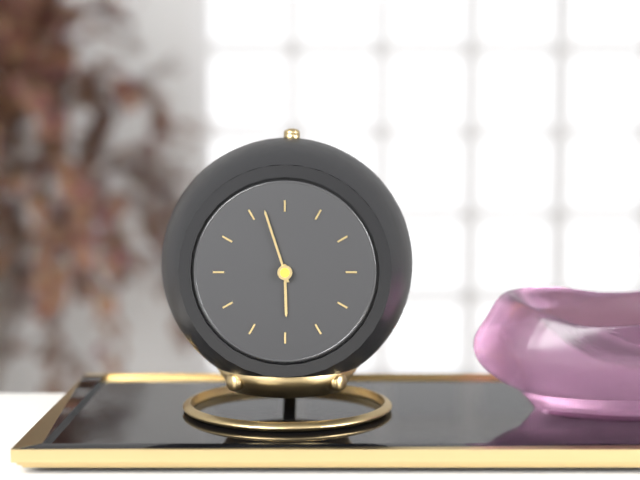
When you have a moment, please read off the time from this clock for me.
5:57
